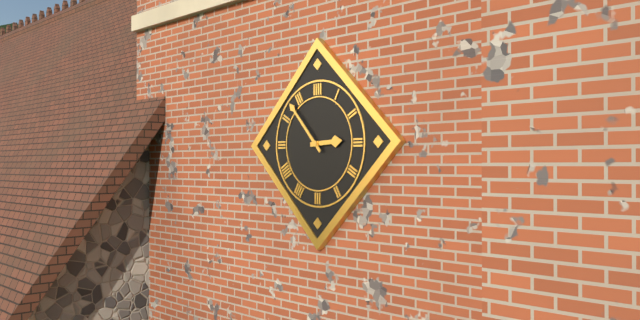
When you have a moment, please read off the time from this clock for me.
2:53
